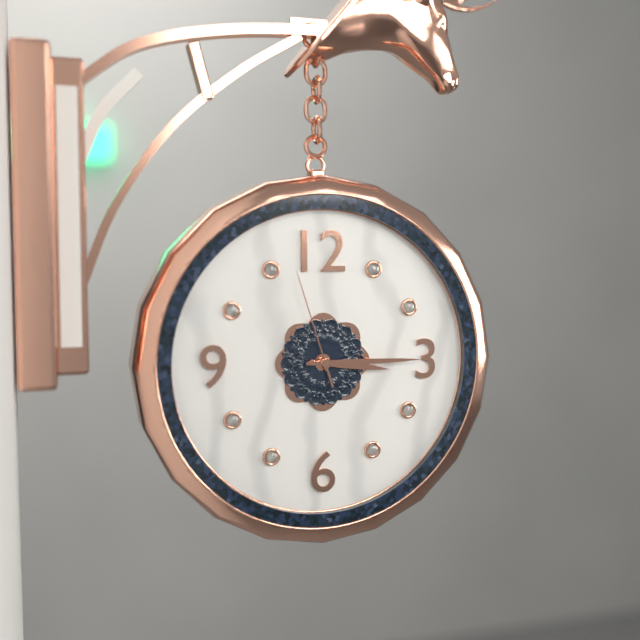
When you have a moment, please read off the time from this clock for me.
3:15:57
